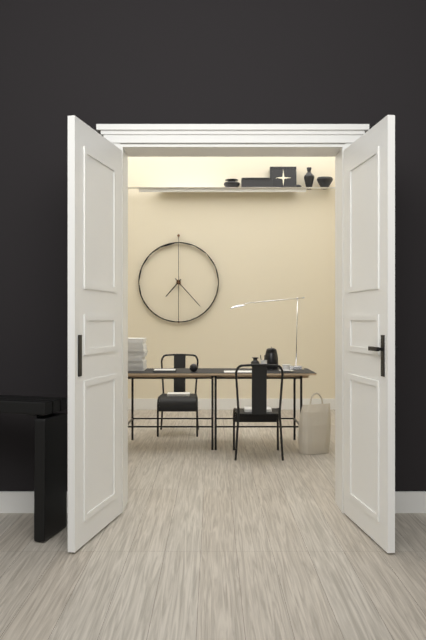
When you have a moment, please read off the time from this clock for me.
7:23
